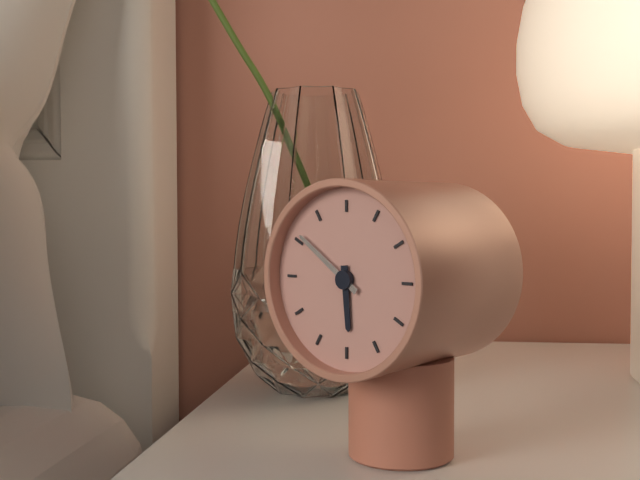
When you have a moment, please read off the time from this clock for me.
5:51
